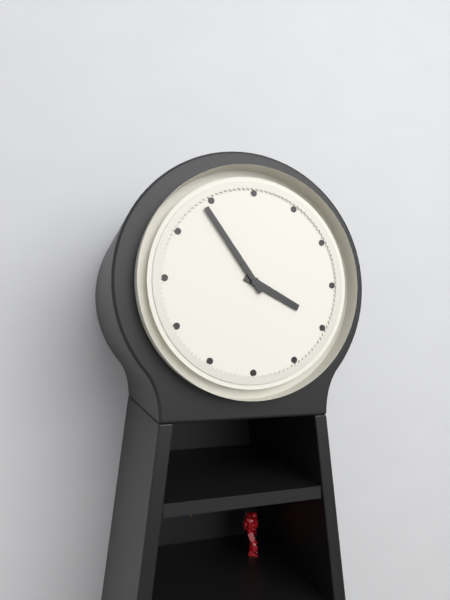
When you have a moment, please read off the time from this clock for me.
3:54
